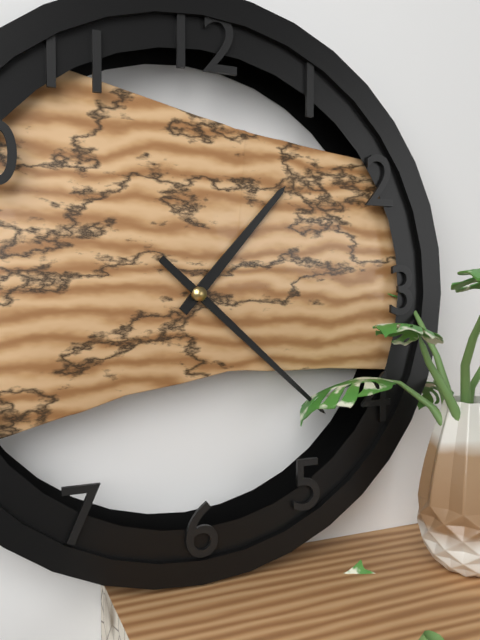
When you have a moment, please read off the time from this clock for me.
1:22
